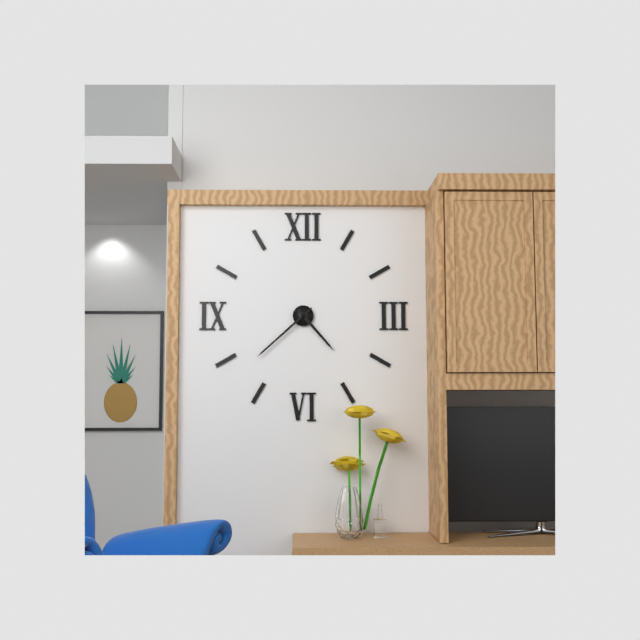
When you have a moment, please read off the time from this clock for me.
4:38
